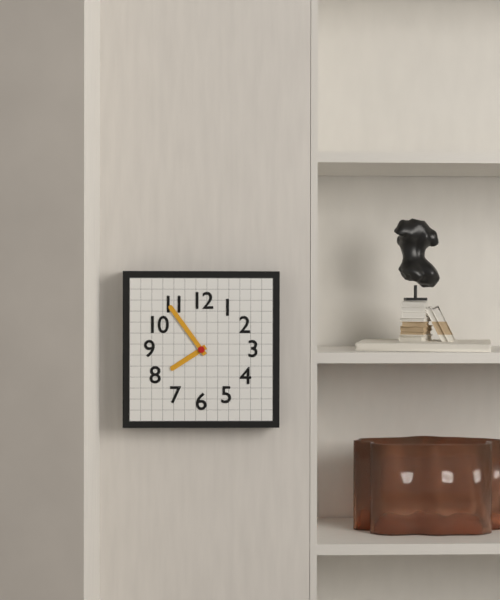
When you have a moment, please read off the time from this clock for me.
7:54
